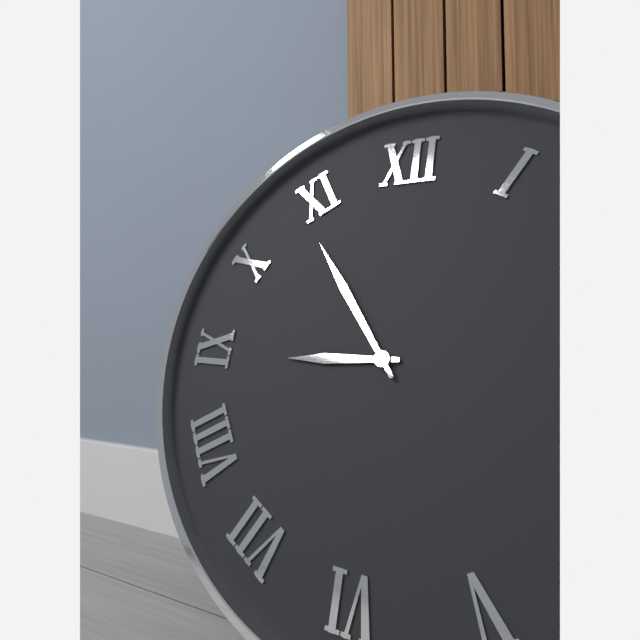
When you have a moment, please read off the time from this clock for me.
8:54
